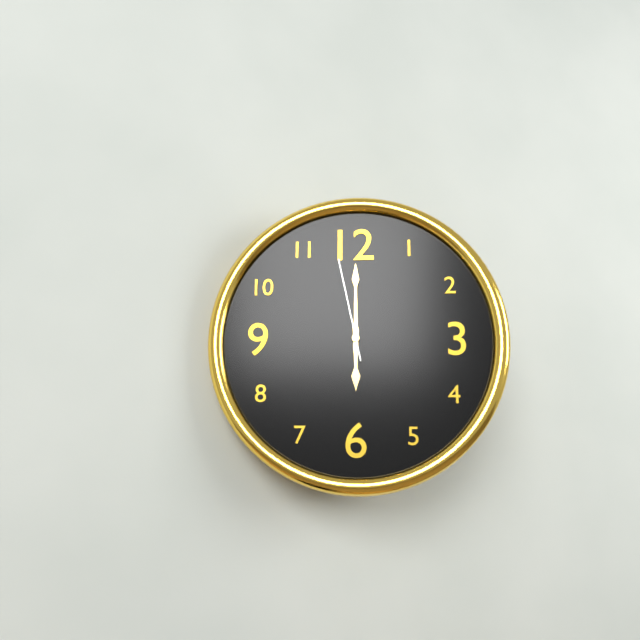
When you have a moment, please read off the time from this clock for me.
6:00:58
